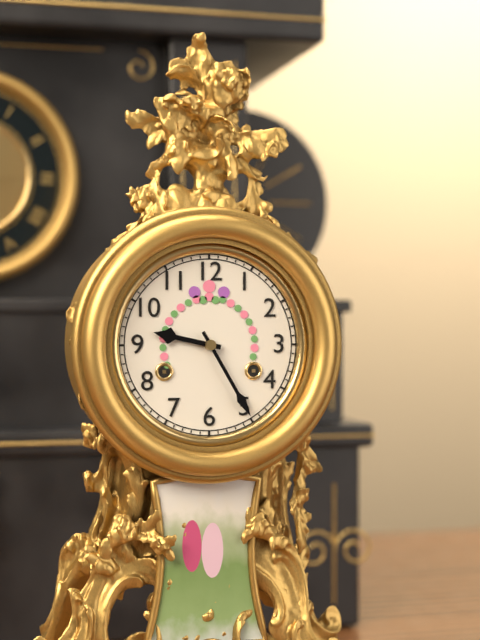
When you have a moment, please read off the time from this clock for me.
9:25
